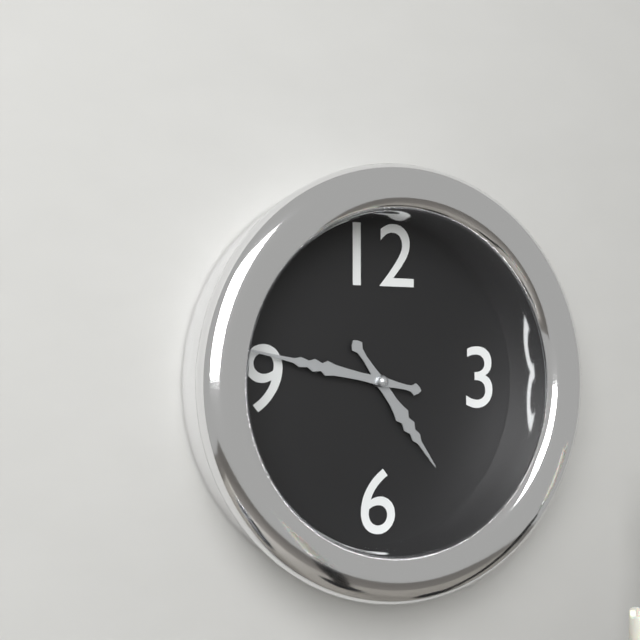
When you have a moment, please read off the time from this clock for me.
4:47
